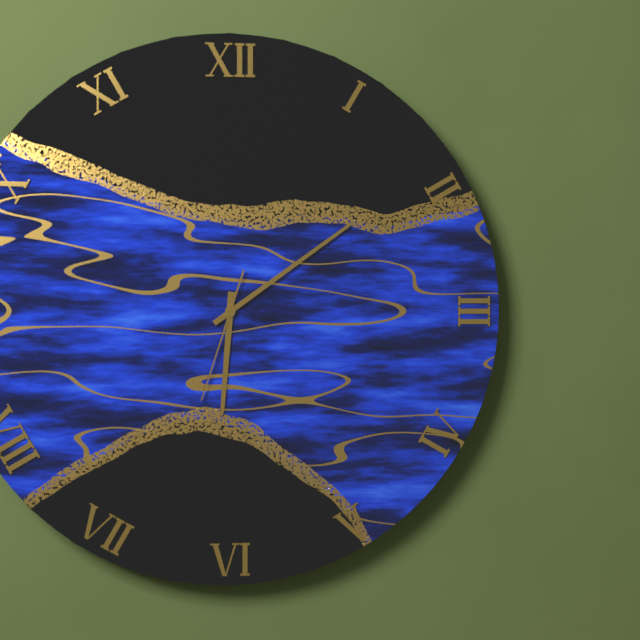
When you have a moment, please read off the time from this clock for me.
6:09:33
